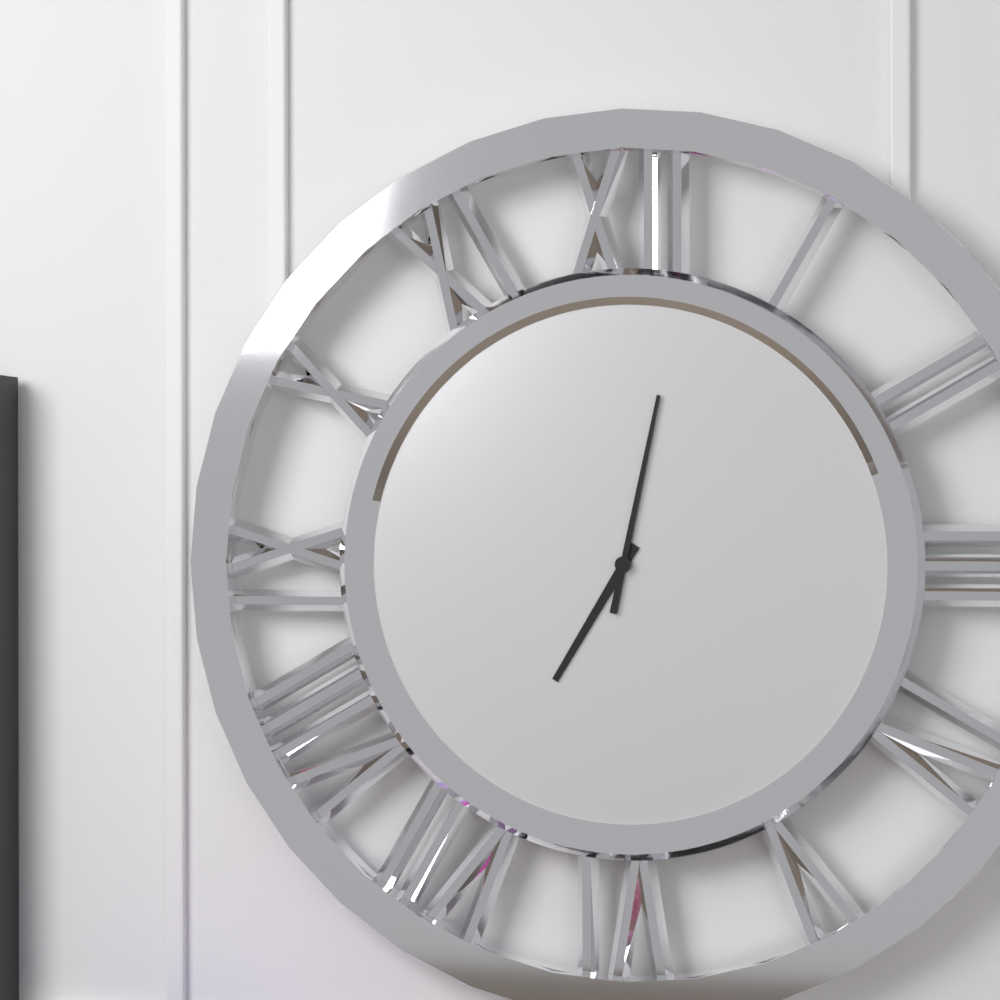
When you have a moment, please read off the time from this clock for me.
7:02
